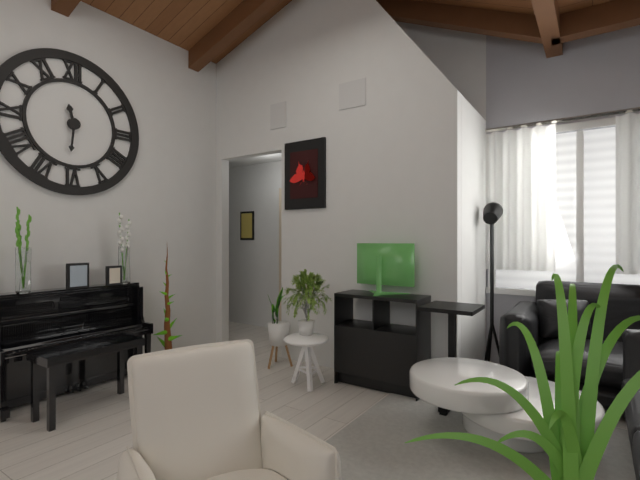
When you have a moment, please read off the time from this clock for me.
11:31
